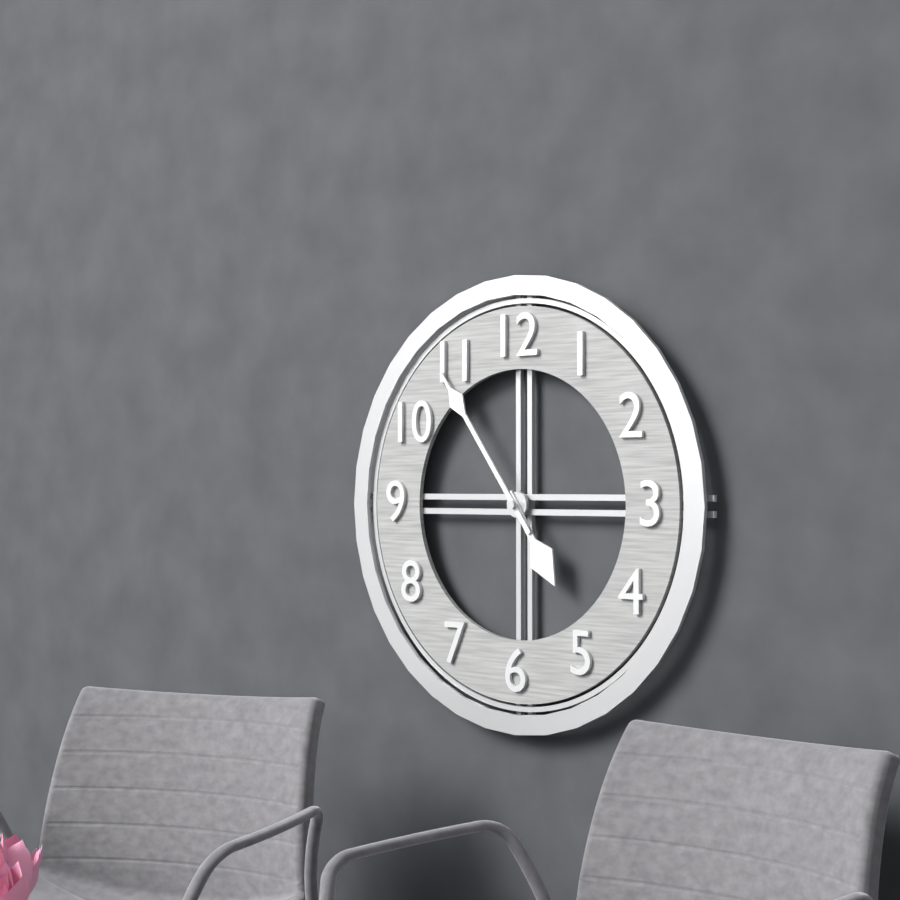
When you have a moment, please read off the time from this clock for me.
4:54
